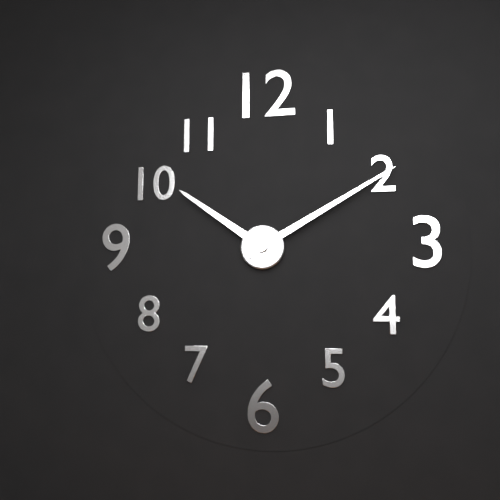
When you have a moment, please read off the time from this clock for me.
10:10
